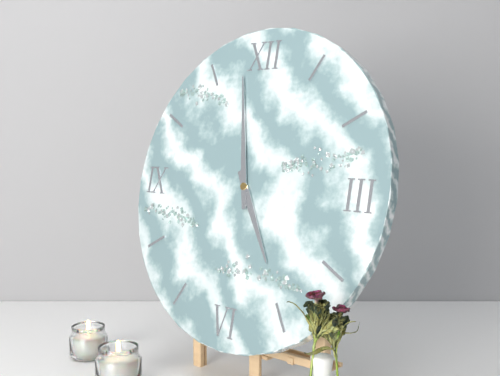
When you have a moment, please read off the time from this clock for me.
4:58
